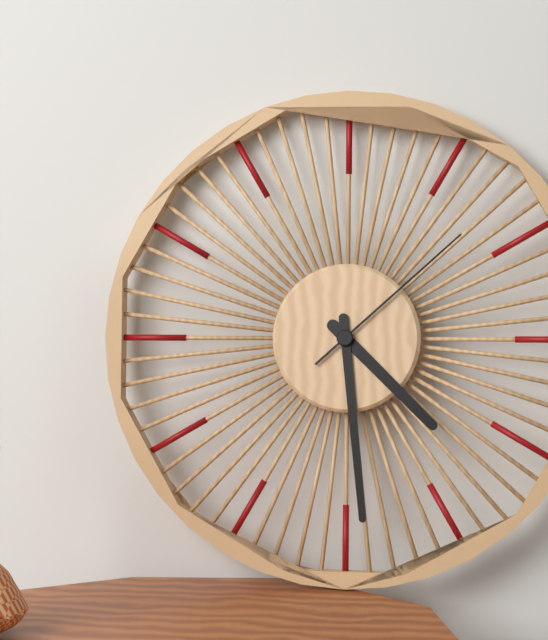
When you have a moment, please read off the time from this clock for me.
4:29:08
